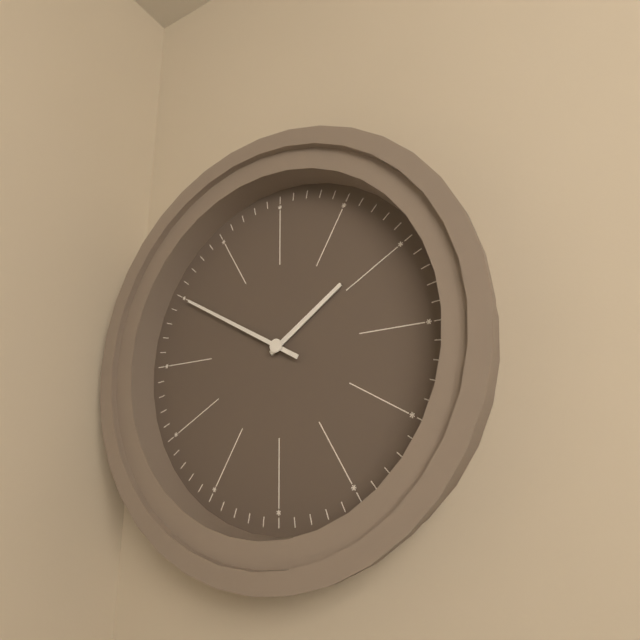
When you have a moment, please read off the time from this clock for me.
1:50
